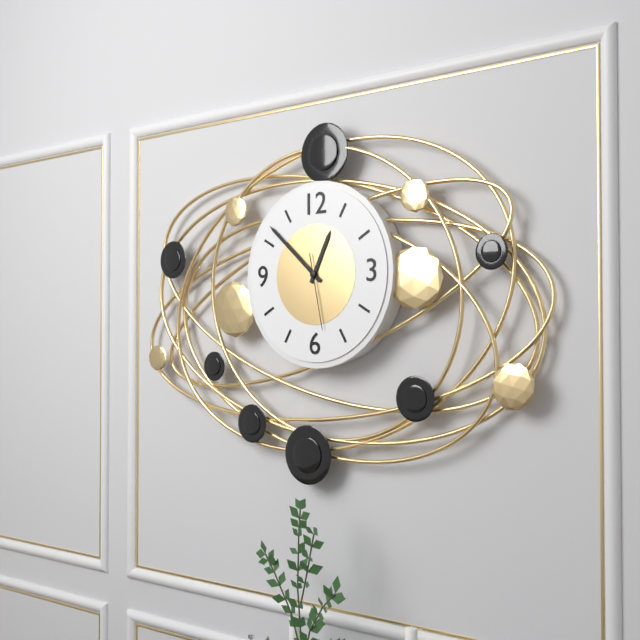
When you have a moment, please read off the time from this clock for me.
12:52:28
